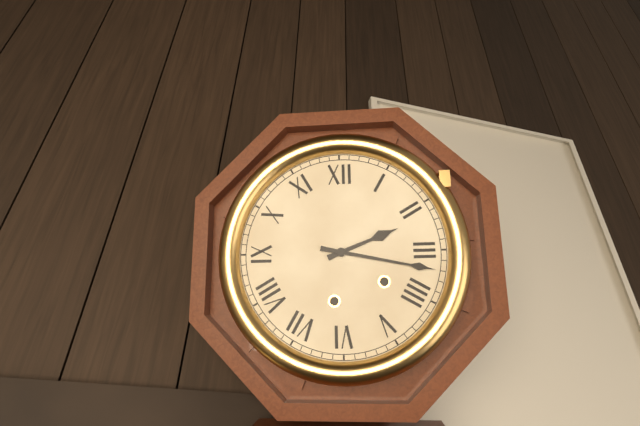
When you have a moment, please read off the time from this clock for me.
2:17
